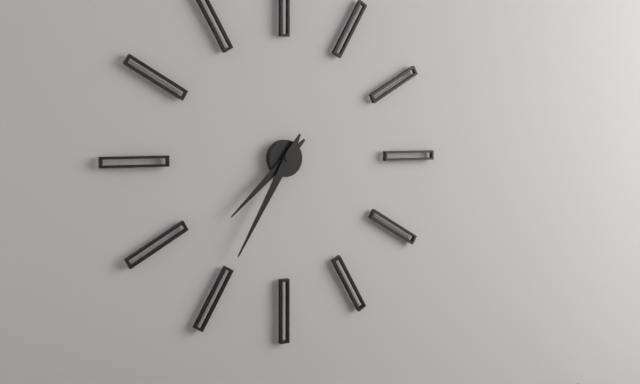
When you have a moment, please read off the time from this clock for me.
7:35
